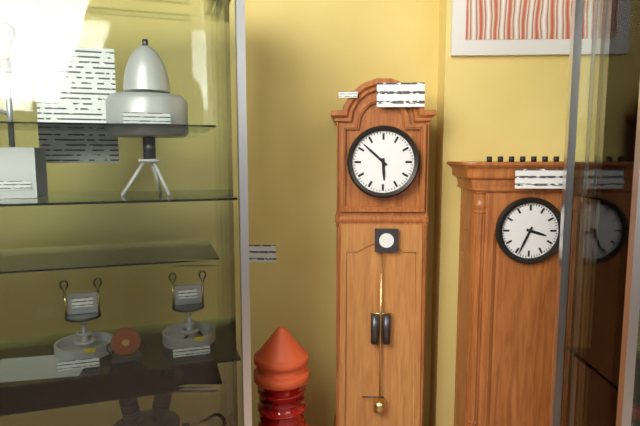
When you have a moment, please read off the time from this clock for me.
5:52
